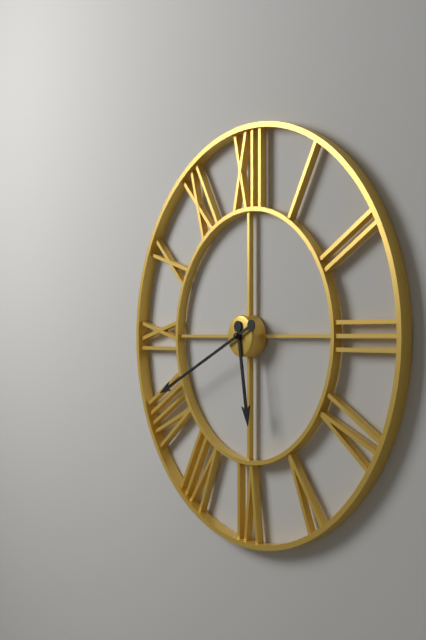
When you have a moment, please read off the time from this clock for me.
5:41
